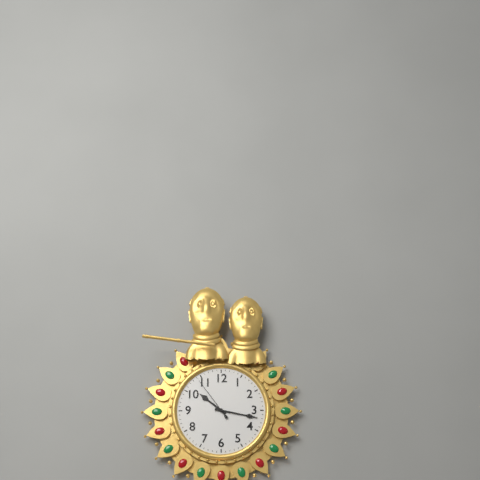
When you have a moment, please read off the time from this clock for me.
10:17
